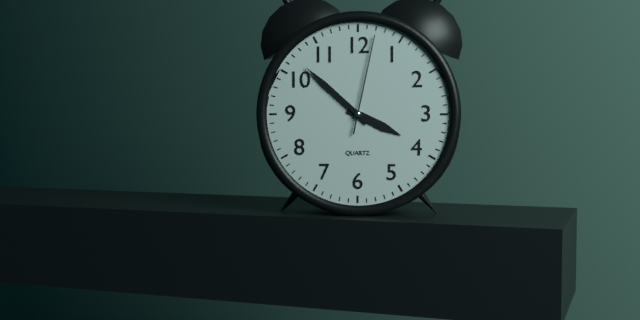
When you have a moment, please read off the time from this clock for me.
3:52:02
